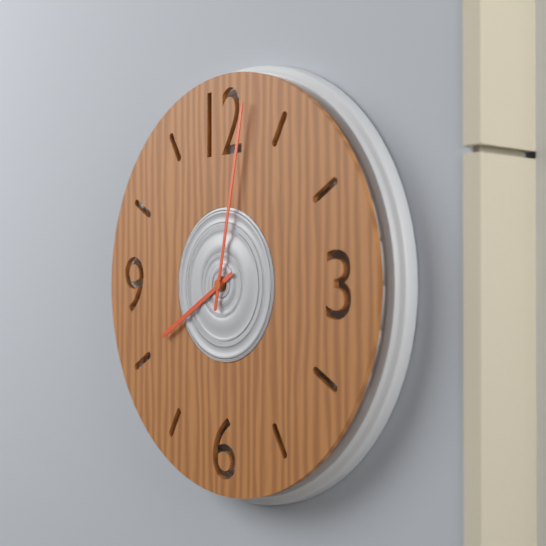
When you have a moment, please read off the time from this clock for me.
8:02
